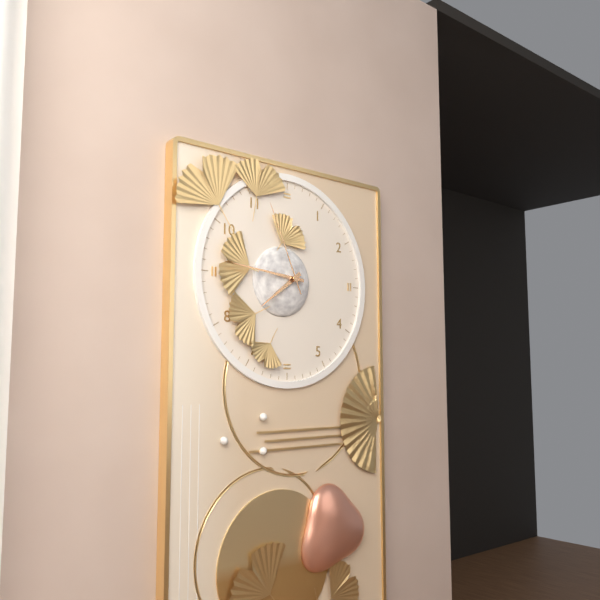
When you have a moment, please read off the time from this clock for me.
7:46:56
